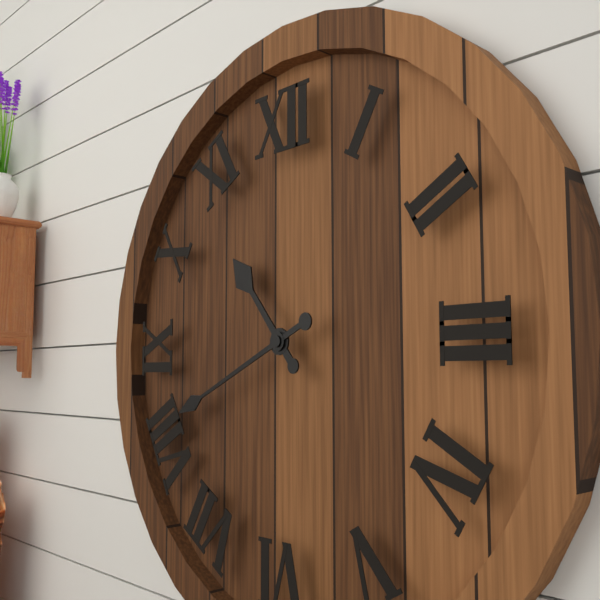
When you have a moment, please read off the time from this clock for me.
10:41
